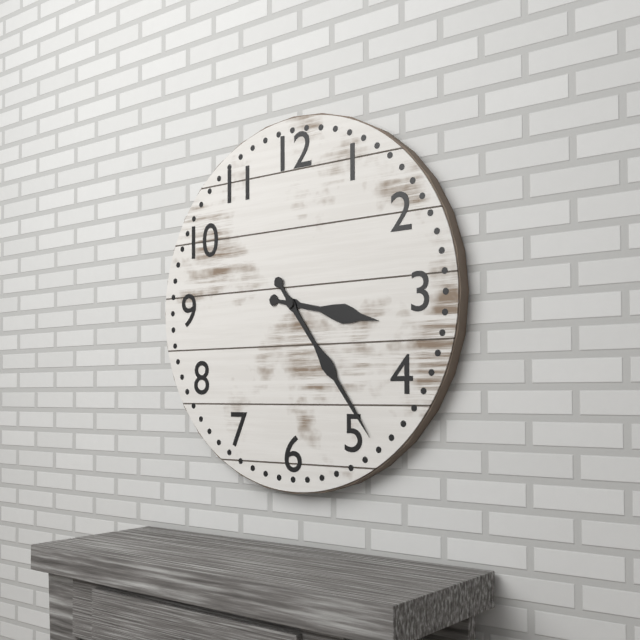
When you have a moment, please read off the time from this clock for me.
3:24
